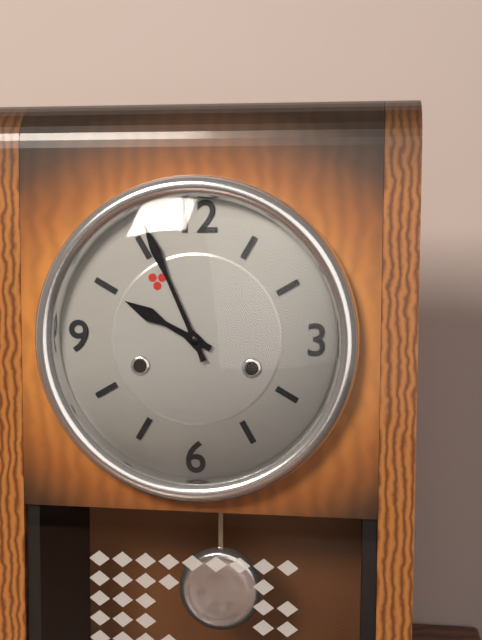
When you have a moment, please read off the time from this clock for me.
9:56
